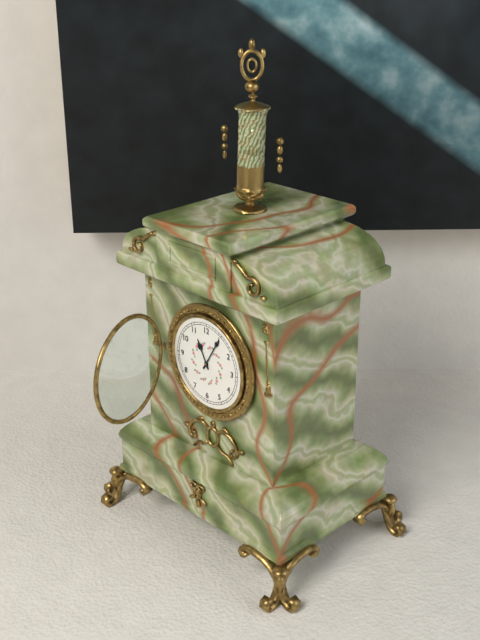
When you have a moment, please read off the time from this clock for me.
11:05
